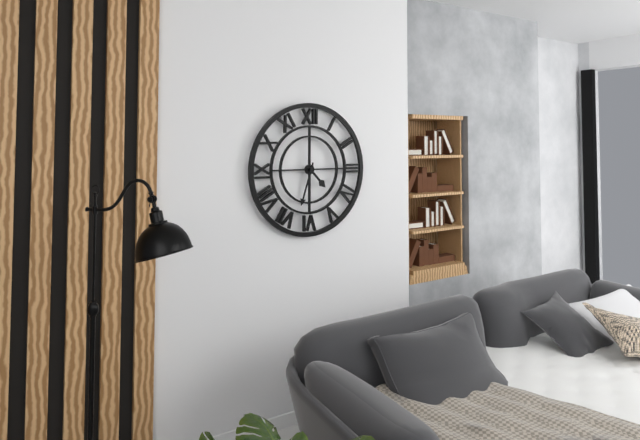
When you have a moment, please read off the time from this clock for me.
4:33
